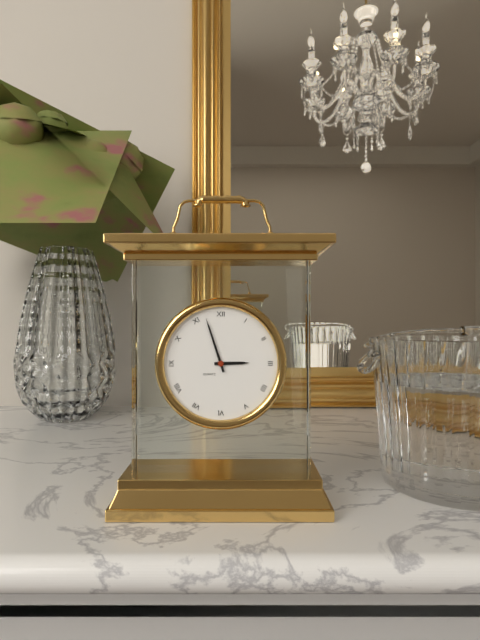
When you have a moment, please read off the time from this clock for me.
2:57
